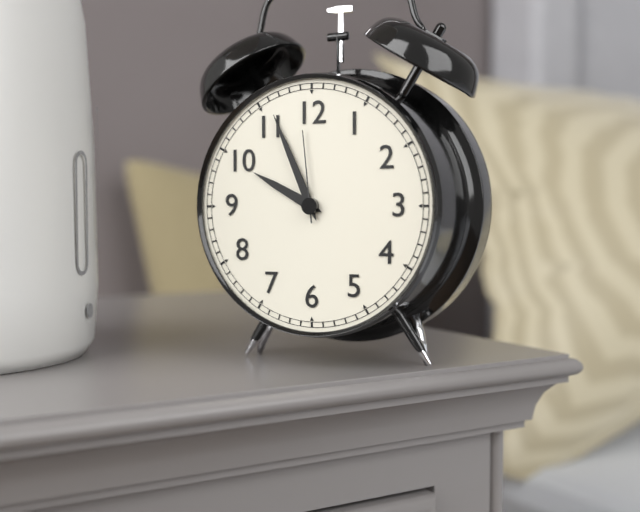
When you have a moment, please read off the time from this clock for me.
9:56:59
